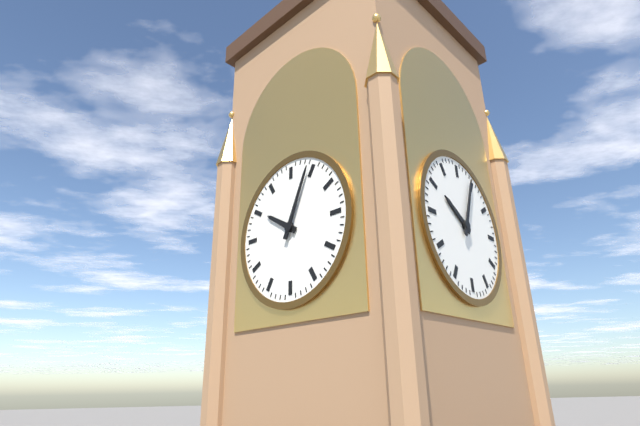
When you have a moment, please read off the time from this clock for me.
10:04
